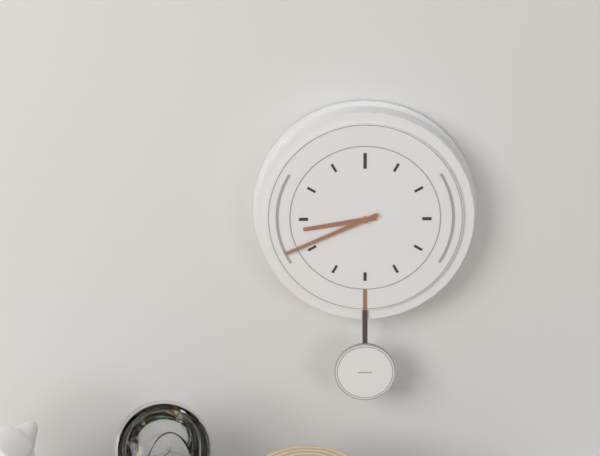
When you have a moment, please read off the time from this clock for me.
8:41
